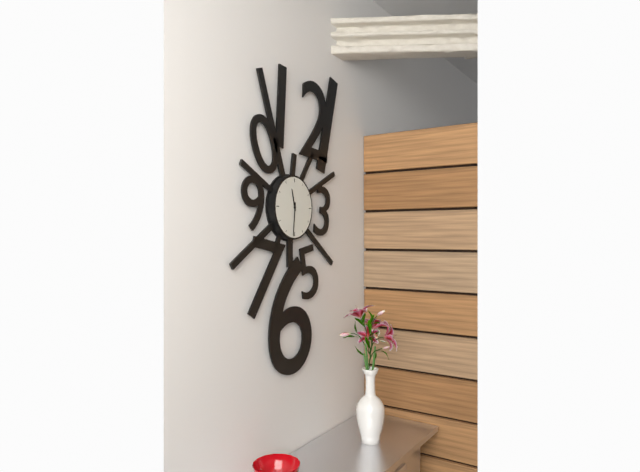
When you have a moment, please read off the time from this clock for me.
11:31
